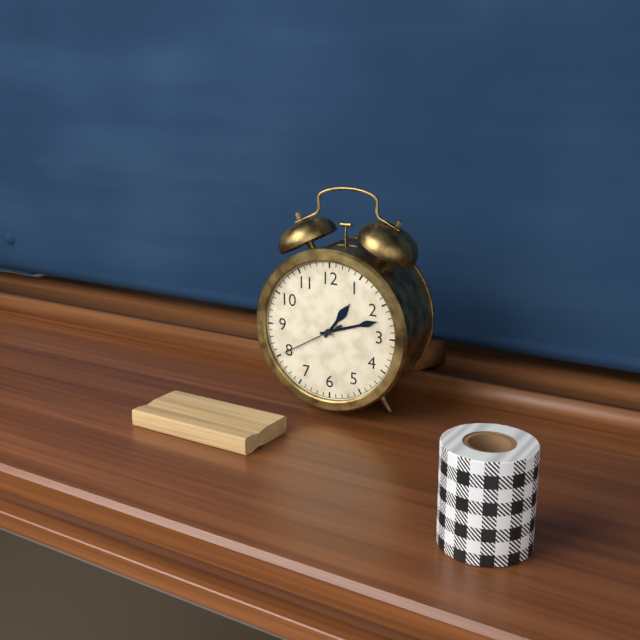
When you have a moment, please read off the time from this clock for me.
1:12:40
